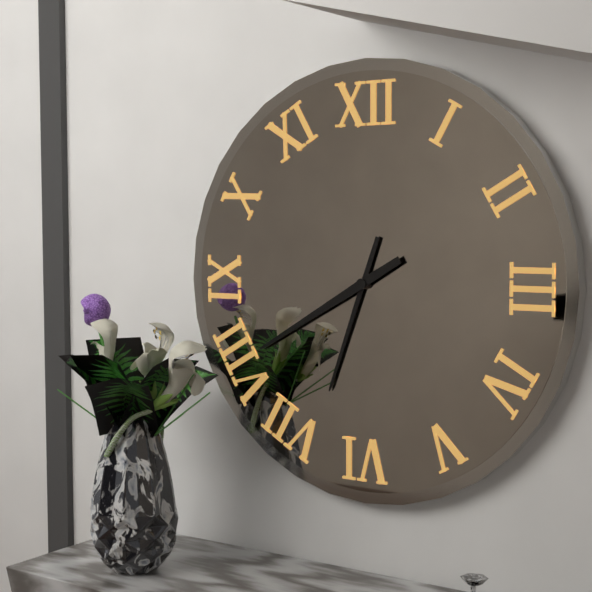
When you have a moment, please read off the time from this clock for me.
6:40
